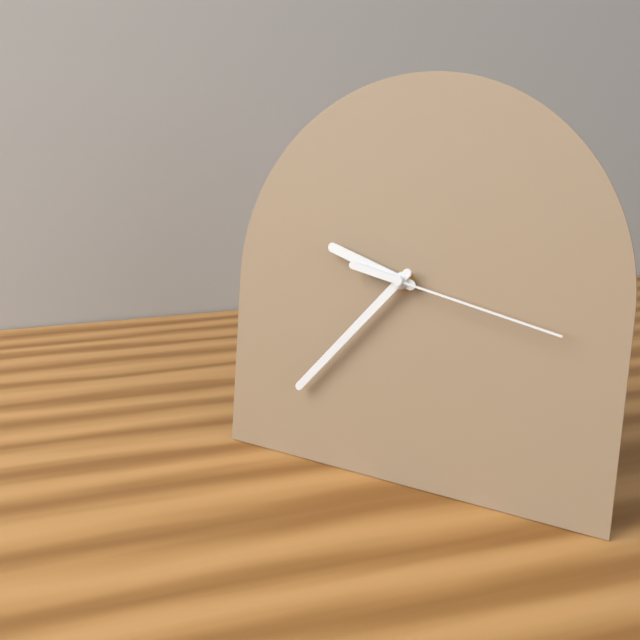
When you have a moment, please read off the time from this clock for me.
9:37:17
